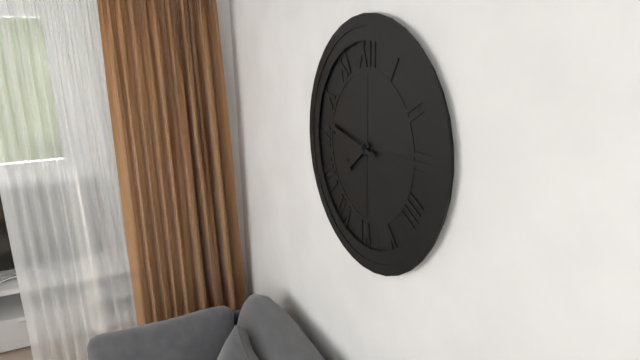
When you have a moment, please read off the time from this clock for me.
7:47
